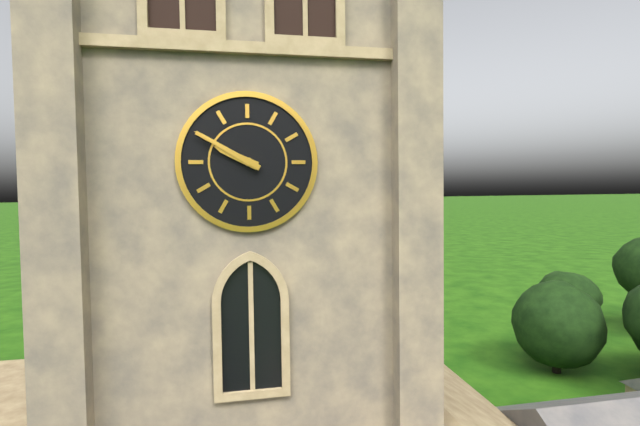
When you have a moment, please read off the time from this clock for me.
9:50
